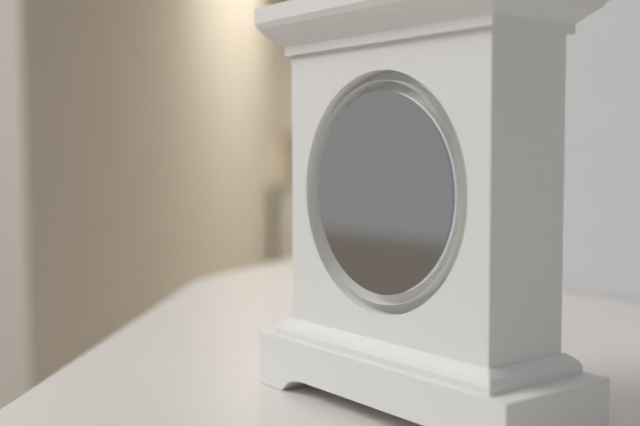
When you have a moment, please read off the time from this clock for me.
4:45
